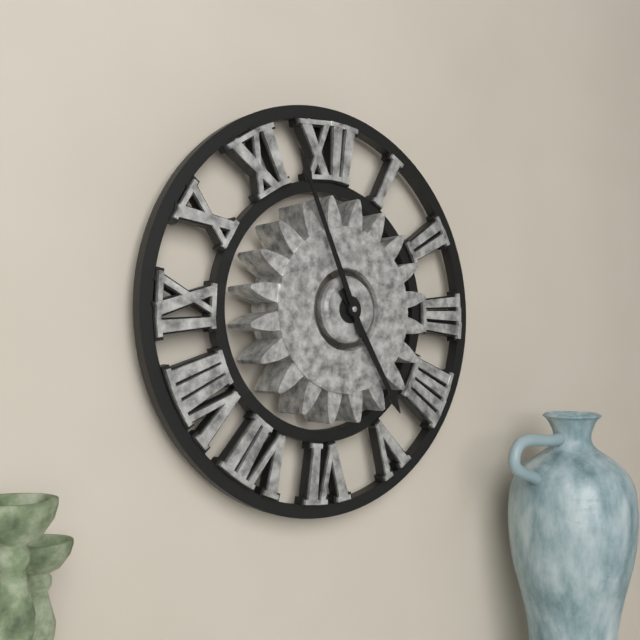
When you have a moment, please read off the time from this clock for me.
4:56
